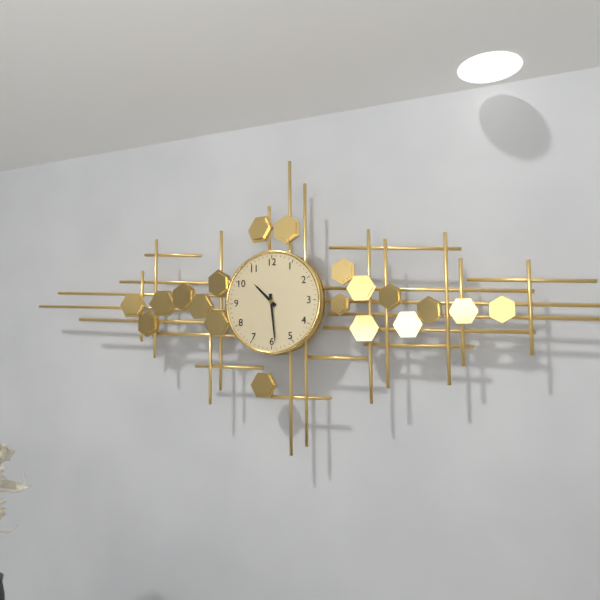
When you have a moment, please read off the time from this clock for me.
10:29
